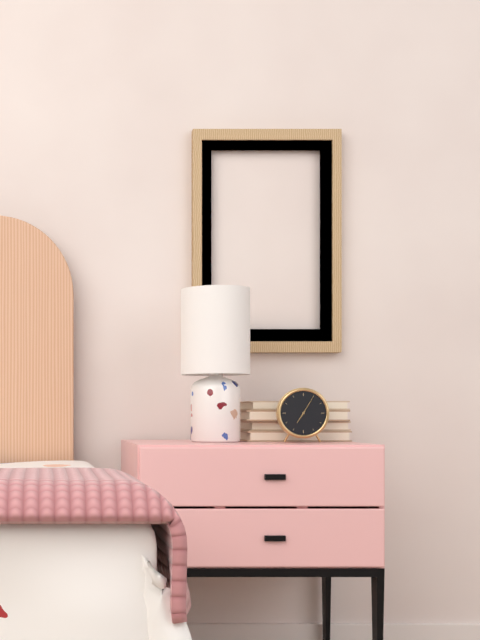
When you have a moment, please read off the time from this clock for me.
7:05
